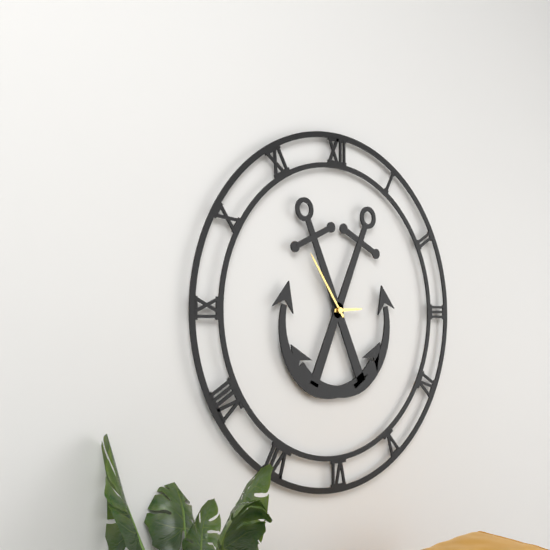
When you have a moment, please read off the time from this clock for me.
2:54
